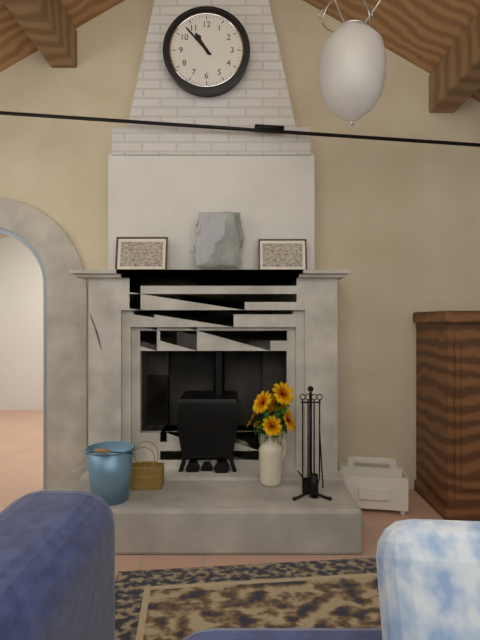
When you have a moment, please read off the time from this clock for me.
10:53
